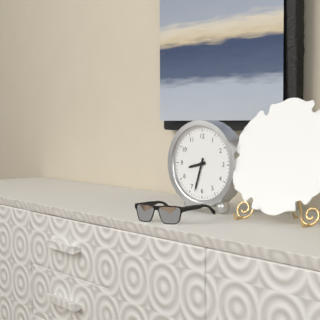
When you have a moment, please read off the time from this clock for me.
8:33
